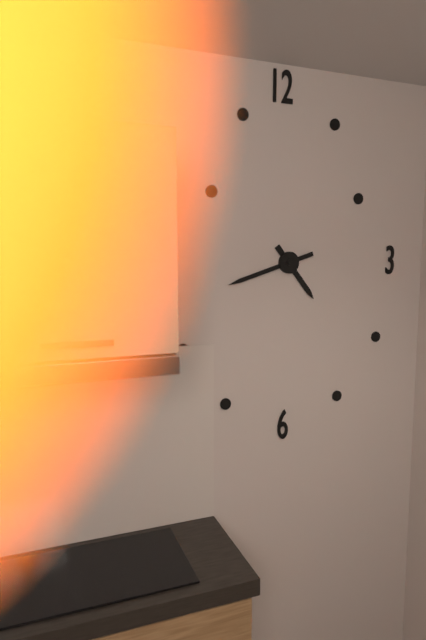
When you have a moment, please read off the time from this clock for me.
4:42
